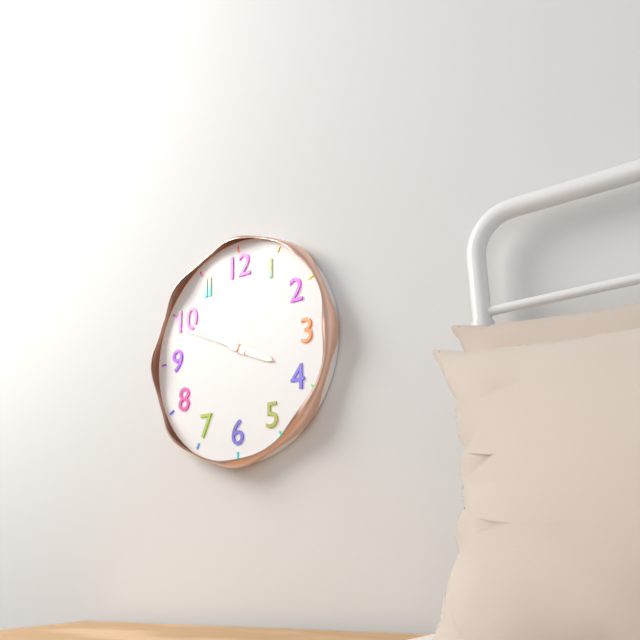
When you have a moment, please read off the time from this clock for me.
3:50:49
